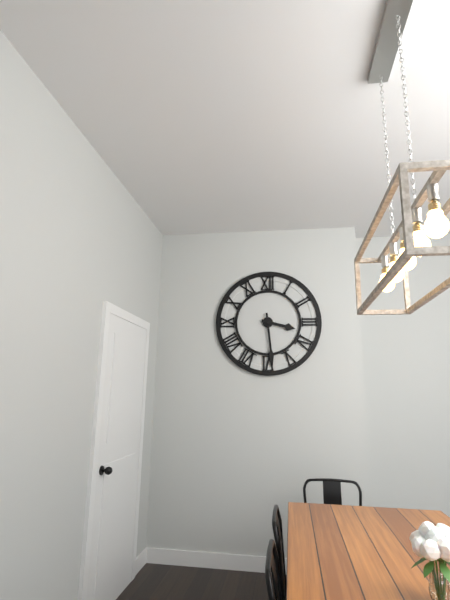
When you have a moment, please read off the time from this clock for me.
3:29
